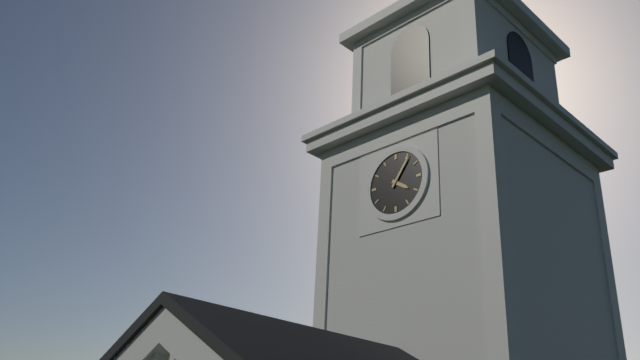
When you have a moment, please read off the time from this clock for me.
4:06
